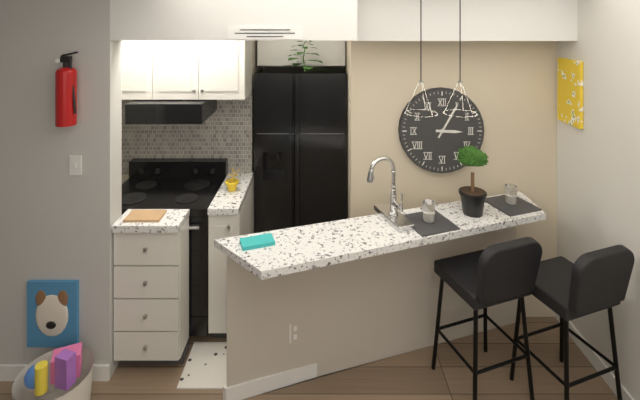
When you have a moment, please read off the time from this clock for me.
3:05
